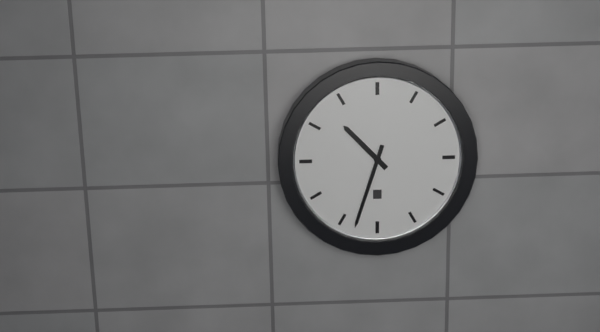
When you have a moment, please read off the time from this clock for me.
10:33
